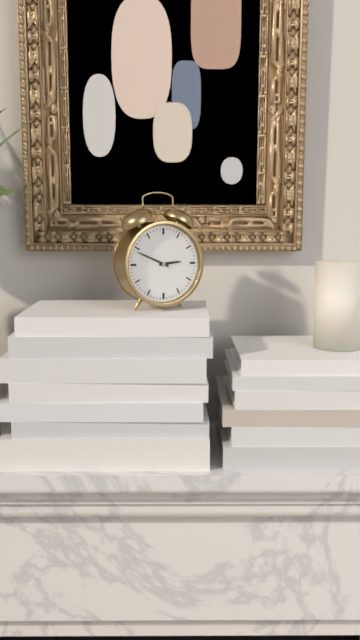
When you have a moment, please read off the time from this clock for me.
2:49
